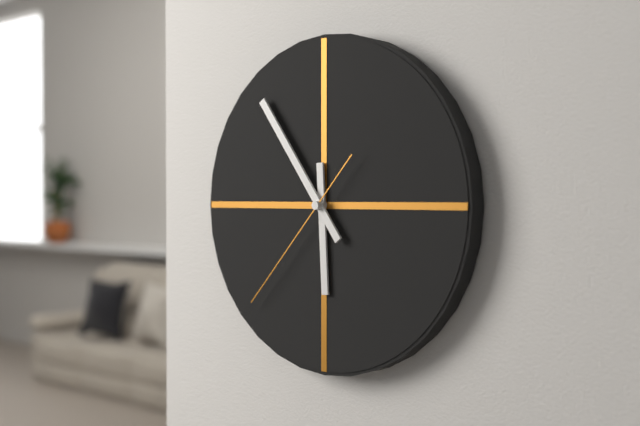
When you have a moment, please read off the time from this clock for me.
5:54:37
